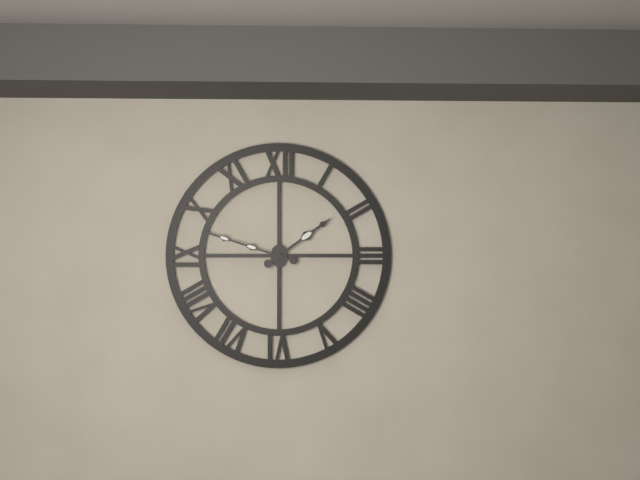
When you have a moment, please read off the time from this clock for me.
1:48
